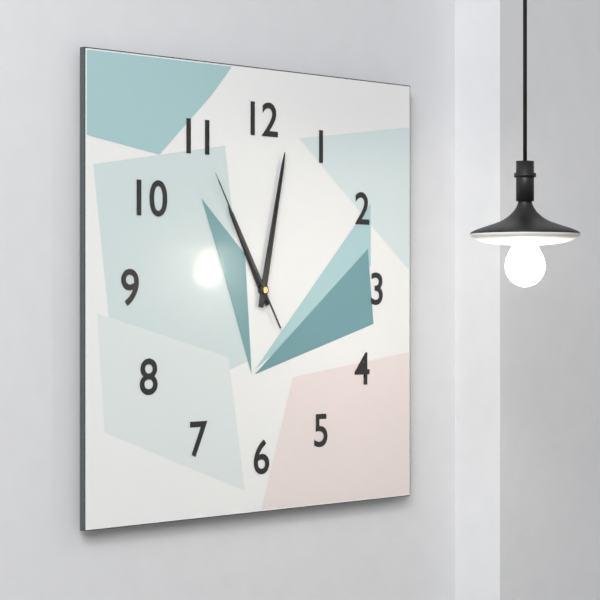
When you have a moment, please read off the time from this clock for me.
11:02:55
